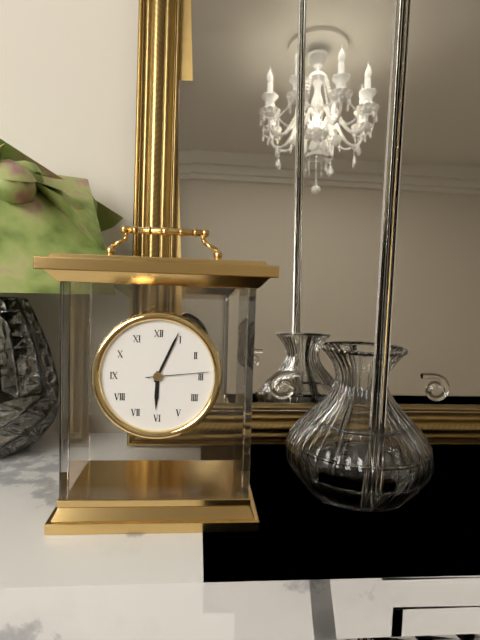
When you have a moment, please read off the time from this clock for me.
6:04:14
